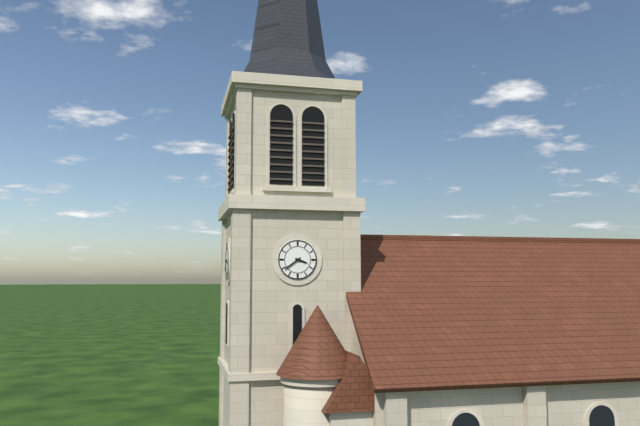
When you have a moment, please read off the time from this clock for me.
3:39
